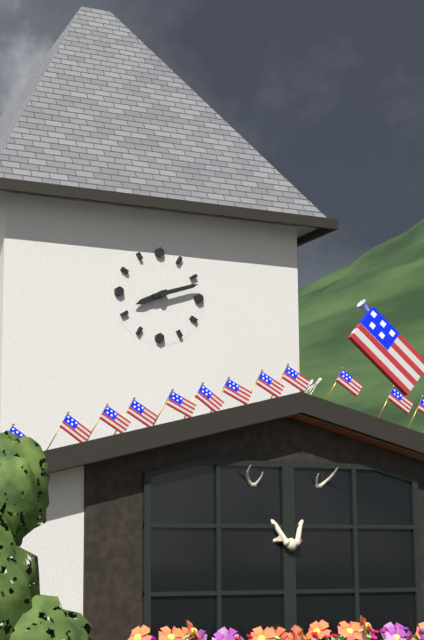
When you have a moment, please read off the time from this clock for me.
8:12
